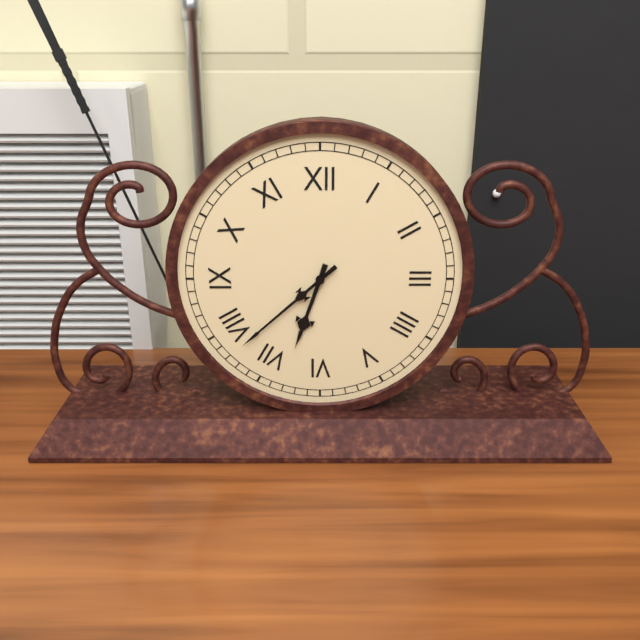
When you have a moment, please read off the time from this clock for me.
6:38
